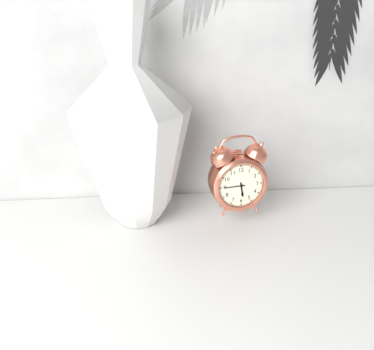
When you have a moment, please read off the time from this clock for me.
5:45
